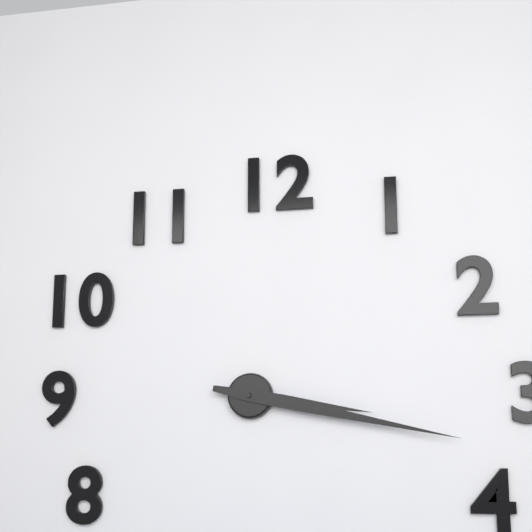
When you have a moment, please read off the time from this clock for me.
3:17
